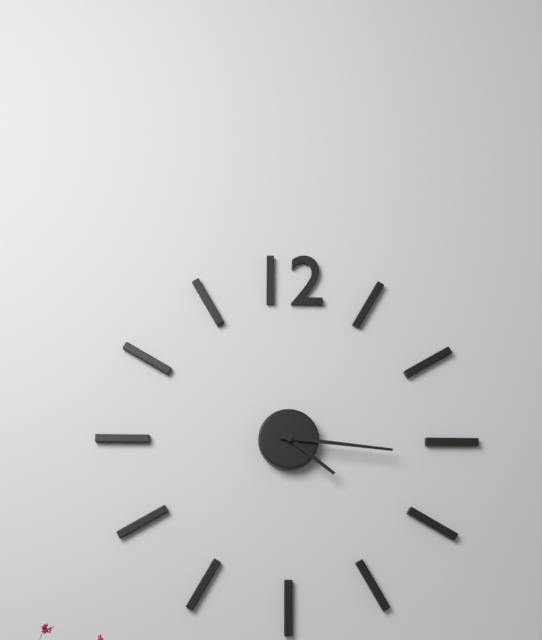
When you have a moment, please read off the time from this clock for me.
4:16
